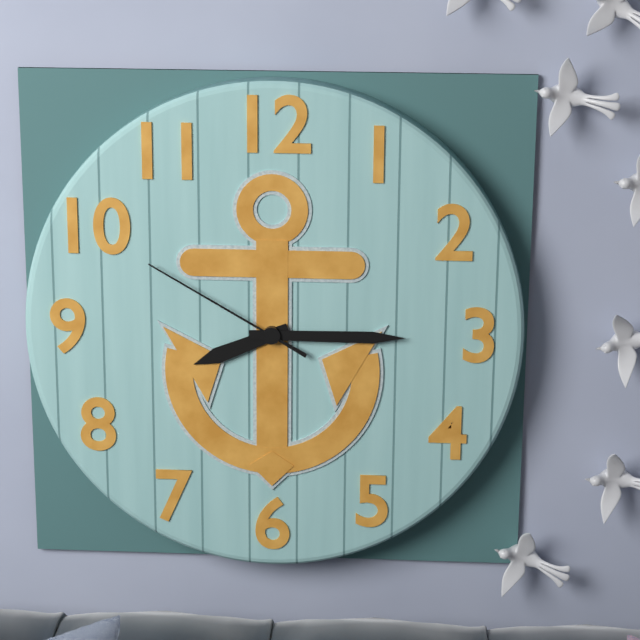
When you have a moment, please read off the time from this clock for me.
8:15:50
